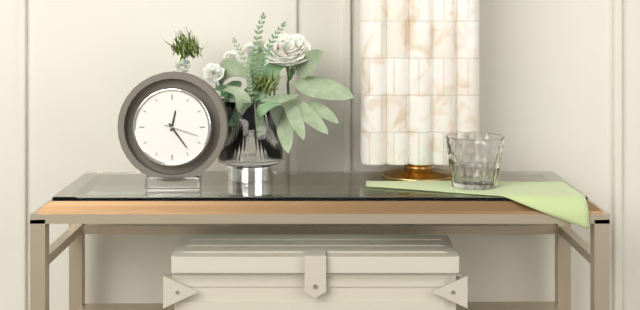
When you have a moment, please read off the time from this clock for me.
12:24
